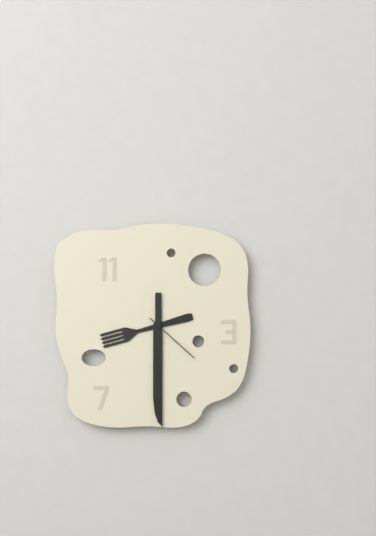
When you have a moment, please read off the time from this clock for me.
8:30:22
